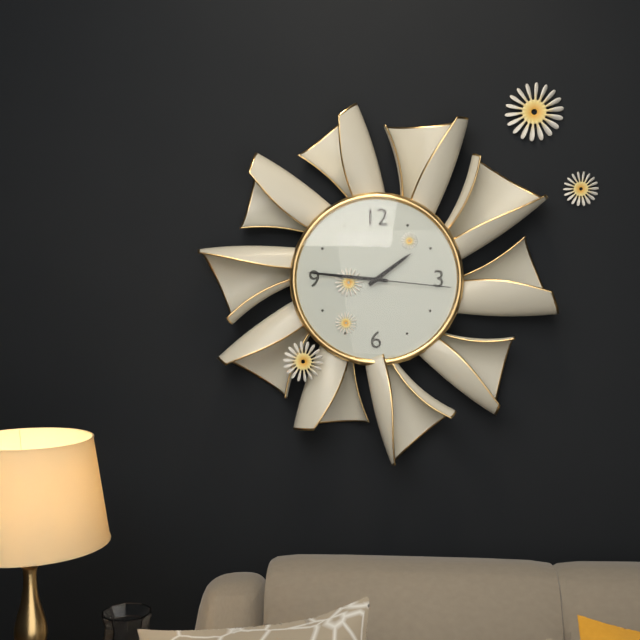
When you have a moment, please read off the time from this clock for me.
1:46:16
